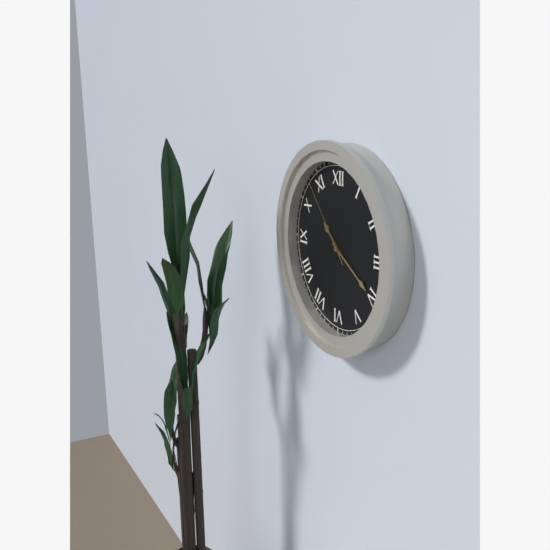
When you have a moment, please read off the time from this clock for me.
10:20:53
